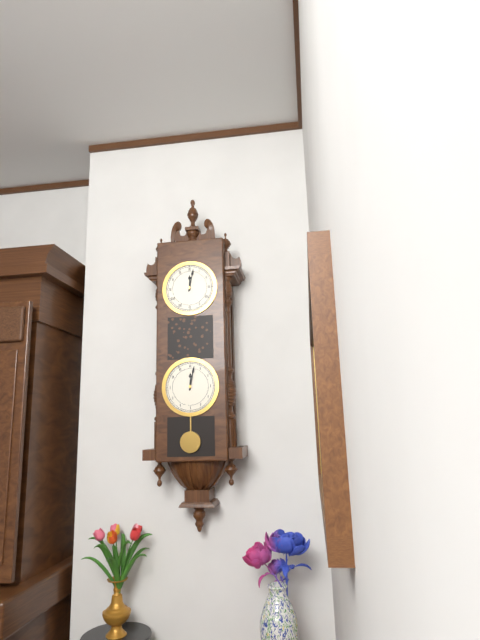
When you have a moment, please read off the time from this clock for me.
12:02
